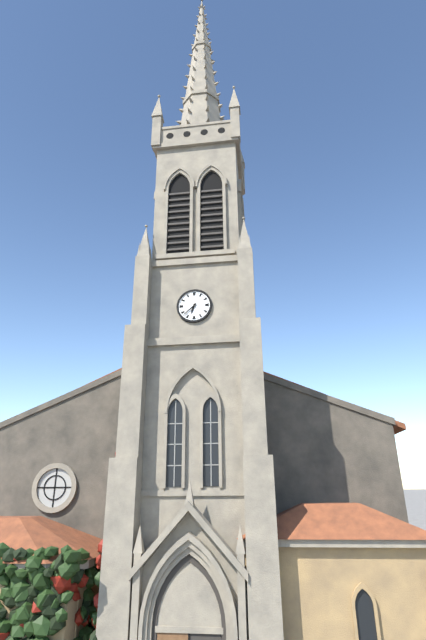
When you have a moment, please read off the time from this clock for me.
6:38
